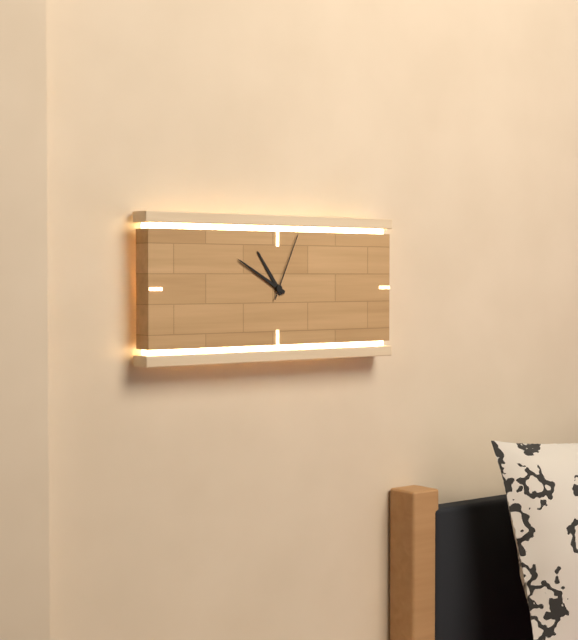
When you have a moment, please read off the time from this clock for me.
10:50:04
